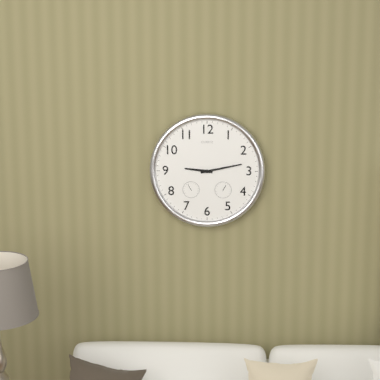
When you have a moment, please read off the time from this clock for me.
9:13
